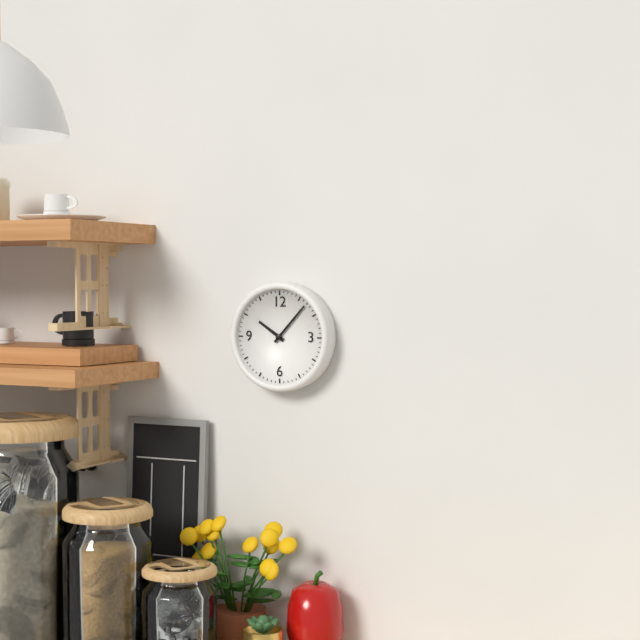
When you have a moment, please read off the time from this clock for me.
10:07
